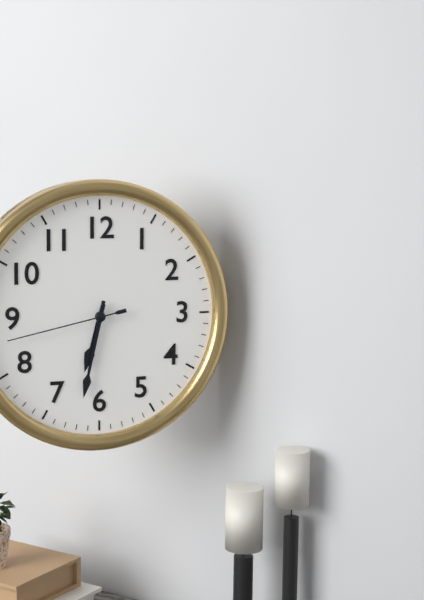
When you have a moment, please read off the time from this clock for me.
6:32:43
